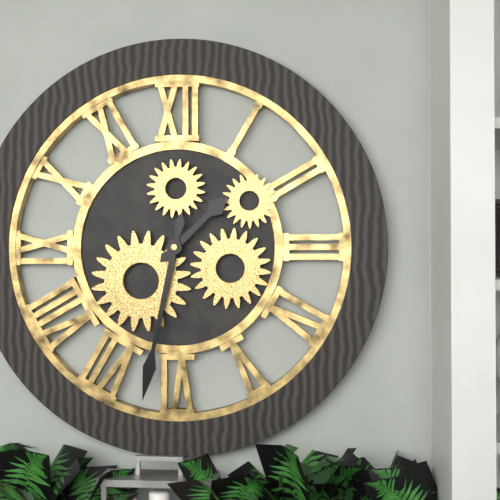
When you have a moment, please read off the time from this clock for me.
1:32
